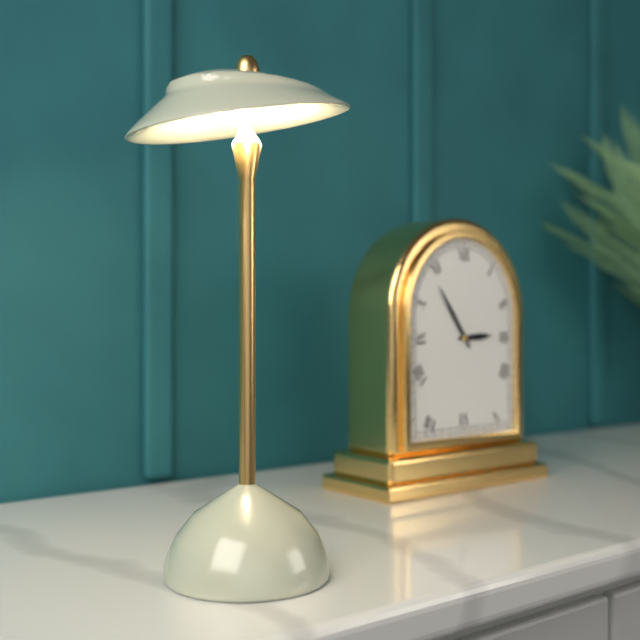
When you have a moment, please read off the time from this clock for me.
2:54
